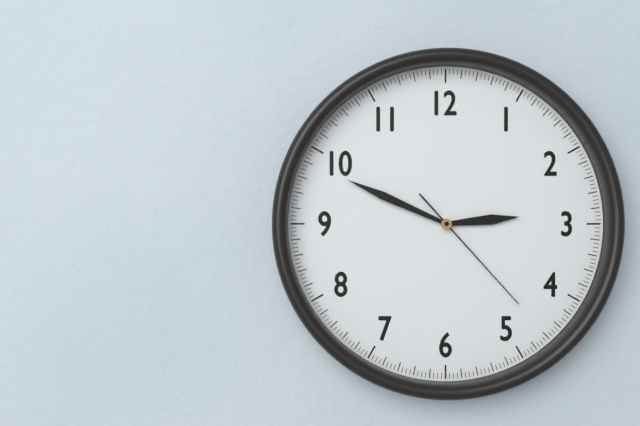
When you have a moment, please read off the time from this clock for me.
2:49:23
